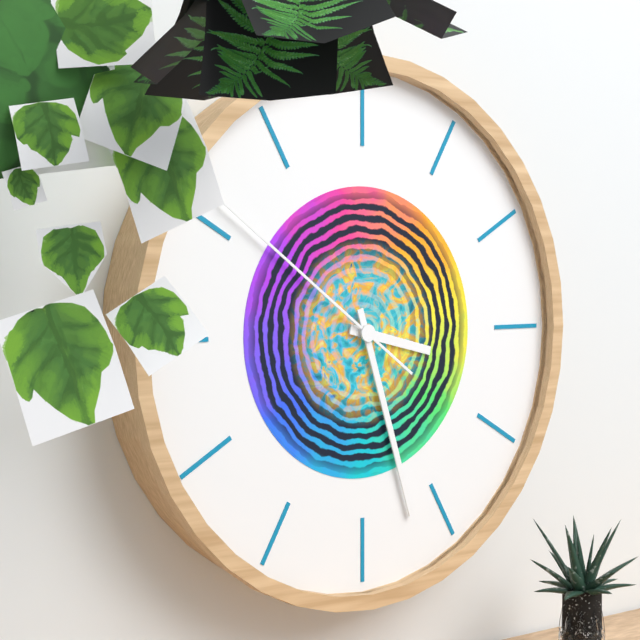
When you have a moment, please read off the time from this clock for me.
3:27:51
